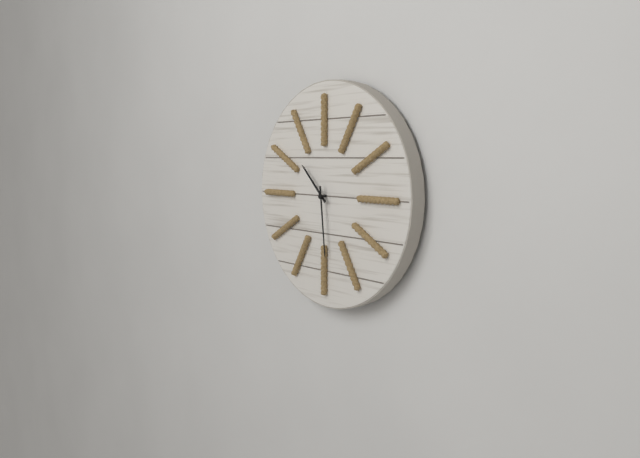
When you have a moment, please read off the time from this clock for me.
10:29
